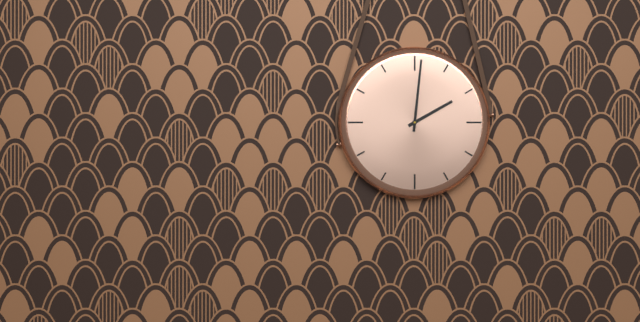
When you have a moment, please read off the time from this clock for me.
2:01
